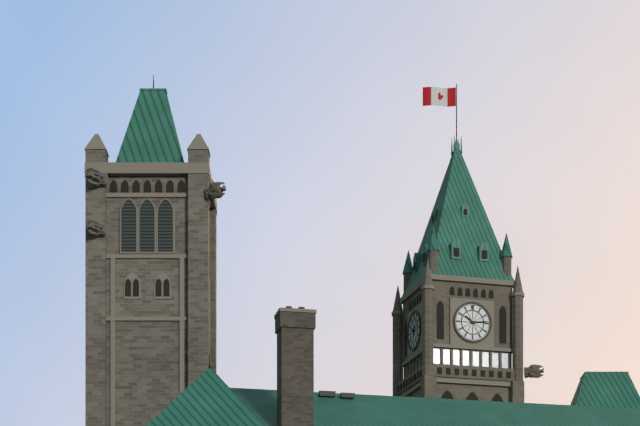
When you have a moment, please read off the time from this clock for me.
10:14
